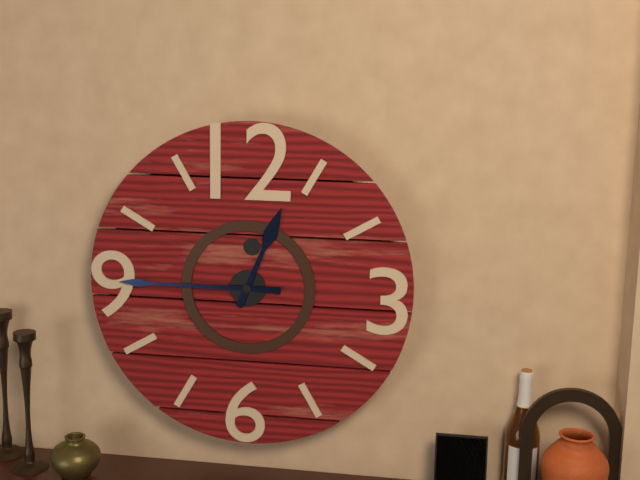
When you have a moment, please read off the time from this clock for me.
12:45
